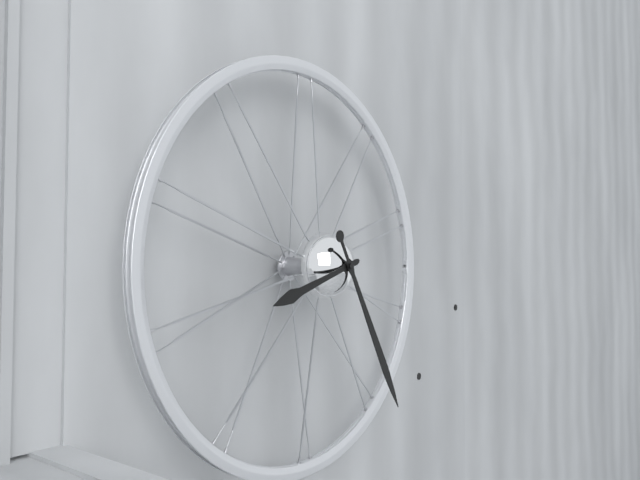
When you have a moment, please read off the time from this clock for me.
8:25
